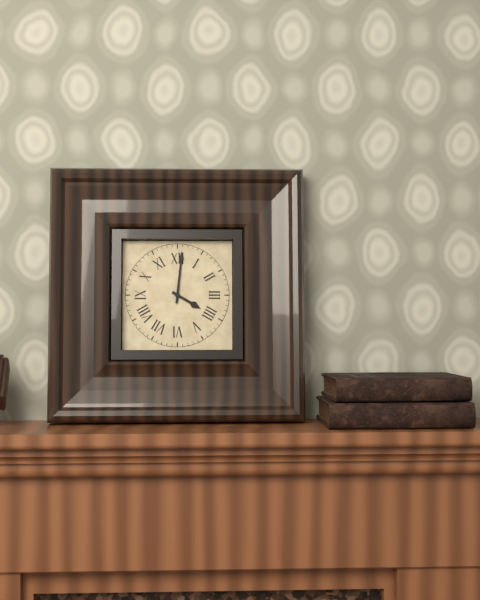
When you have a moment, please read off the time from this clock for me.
4:01
